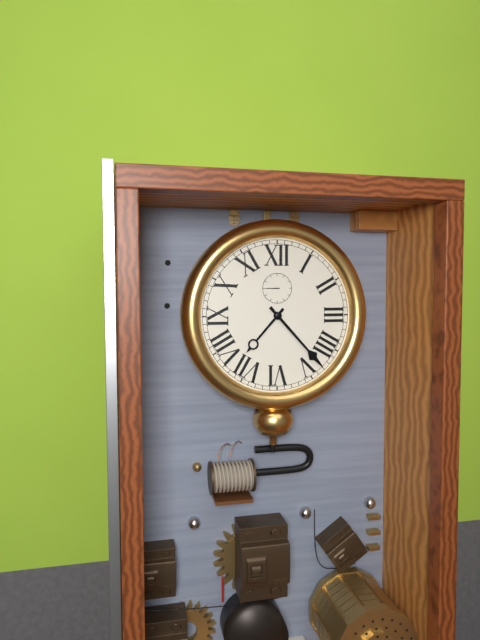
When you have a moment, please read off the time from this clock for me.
7:23
